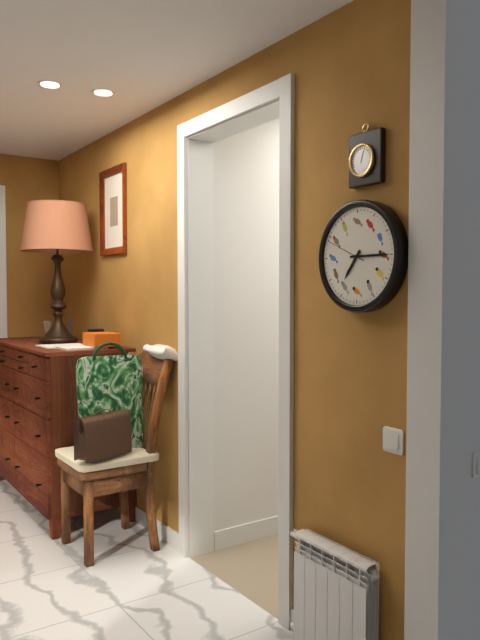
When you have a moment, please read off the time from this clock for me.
7:15
